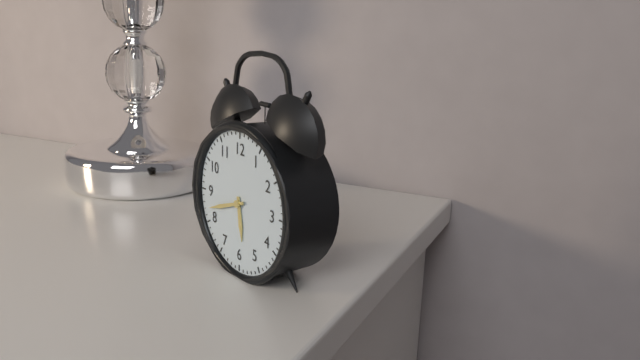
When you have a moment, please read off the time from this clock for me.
5:42
